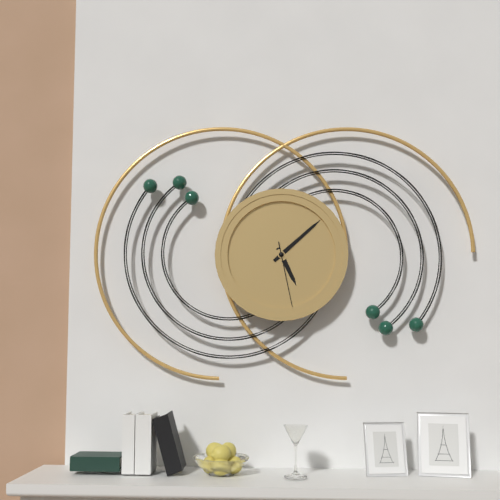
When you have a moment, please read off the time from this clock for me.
5:08:28
